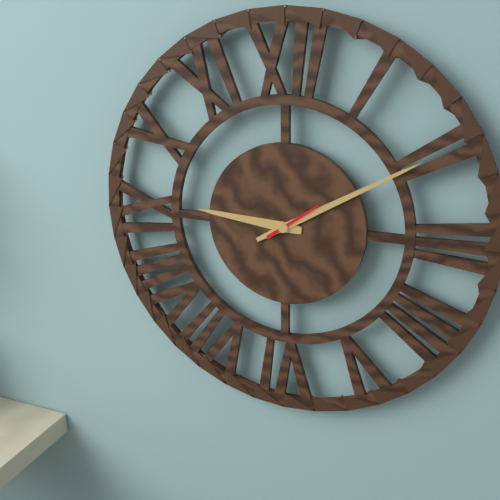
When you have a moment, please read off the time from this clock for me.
9:10
